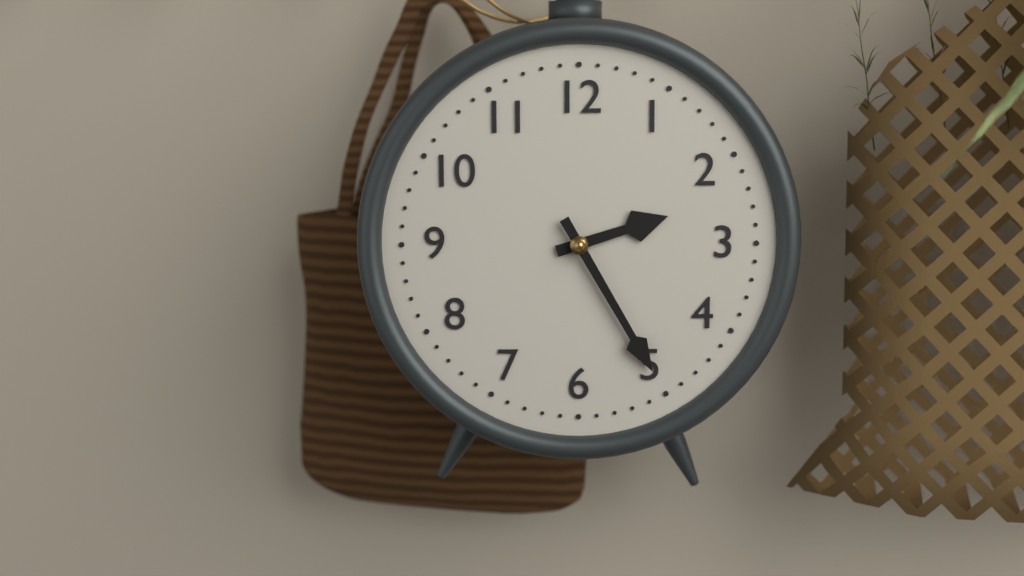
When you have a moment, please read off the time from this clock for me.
2:25
